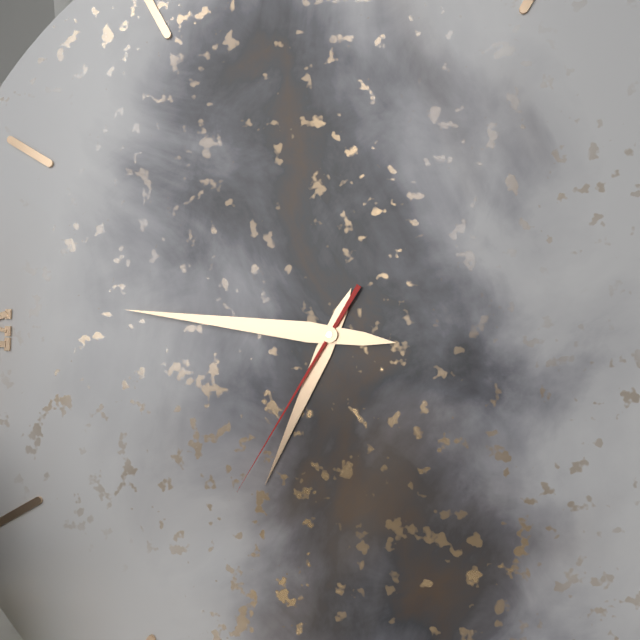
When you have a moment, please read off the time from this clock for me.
6:46:35
